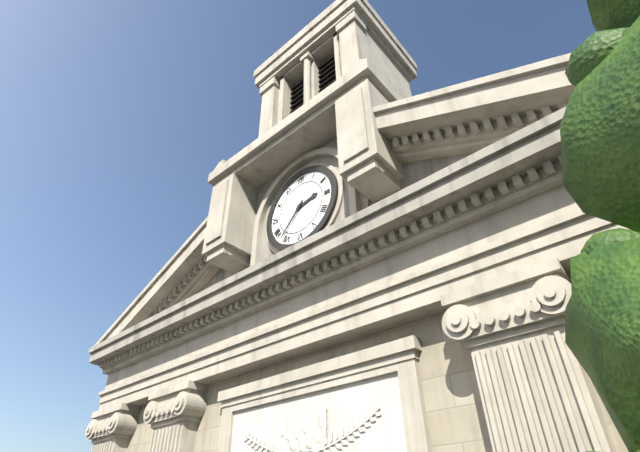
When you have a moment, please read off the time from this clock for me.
2:37
